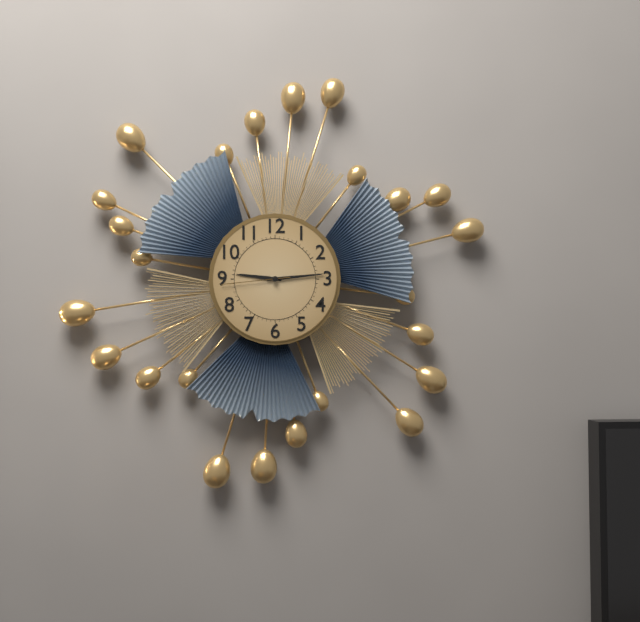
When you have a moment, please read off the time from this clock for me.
9:14:44
